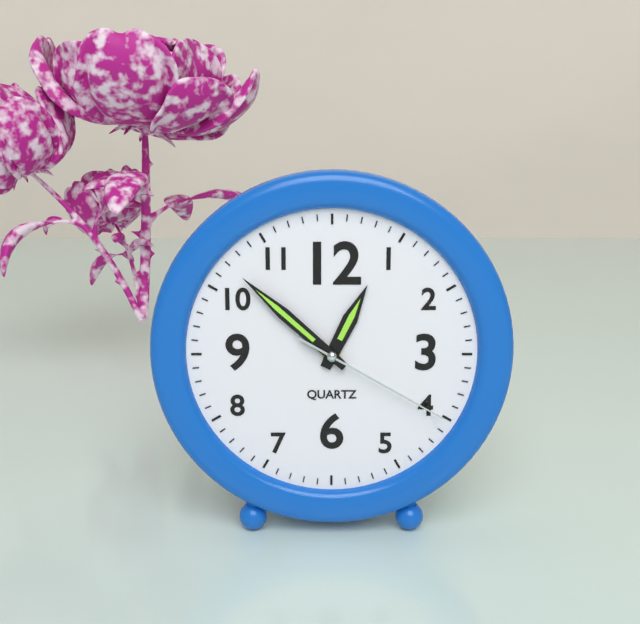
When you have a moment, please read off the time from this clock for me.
12:52:20
